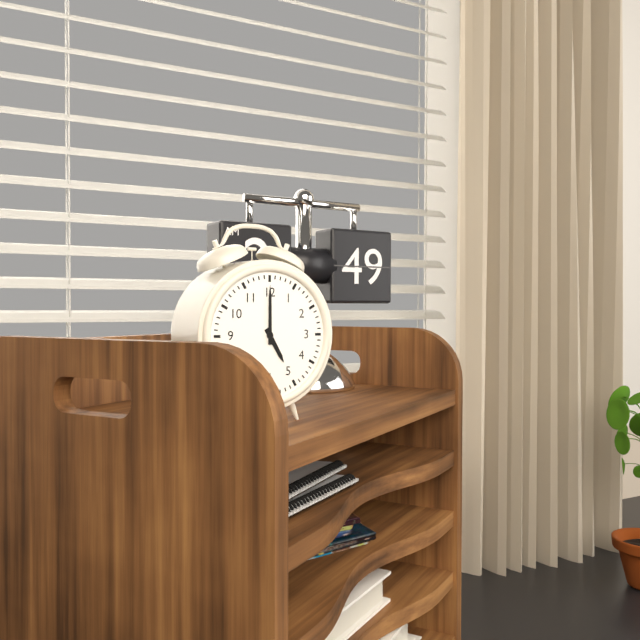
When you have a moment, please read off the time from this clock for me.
5:00
